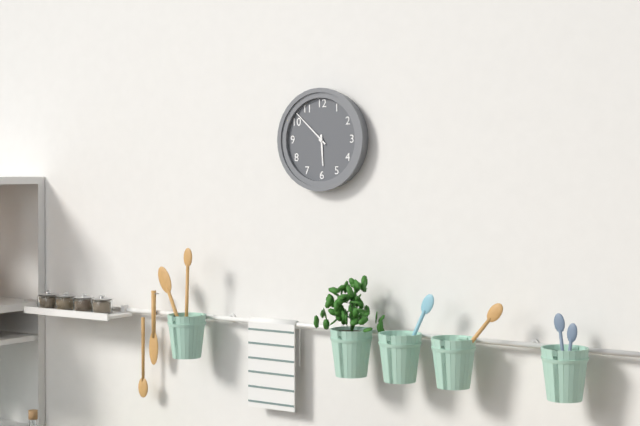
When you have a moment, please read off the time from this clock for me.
5:52
